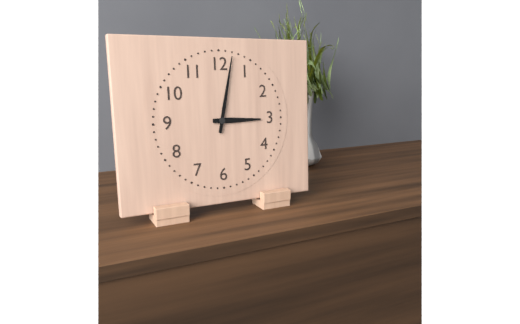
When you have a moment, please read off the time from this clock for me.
3:02
